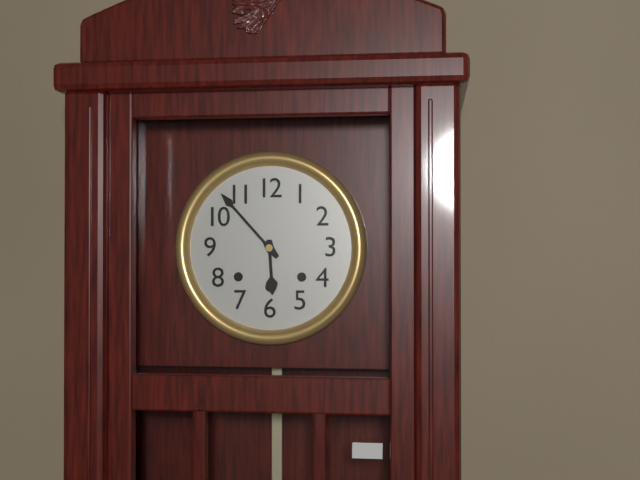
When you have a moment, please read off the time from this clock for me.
5:53
